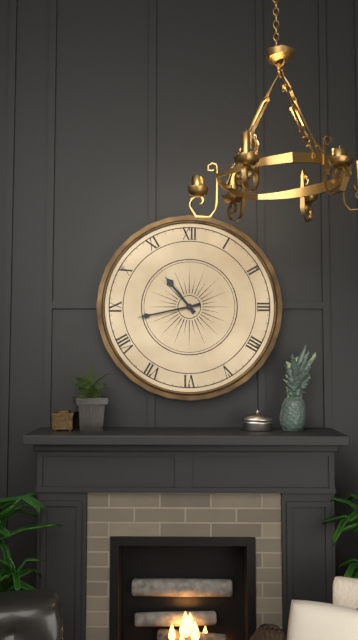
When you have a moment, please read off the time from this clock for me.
10:43
